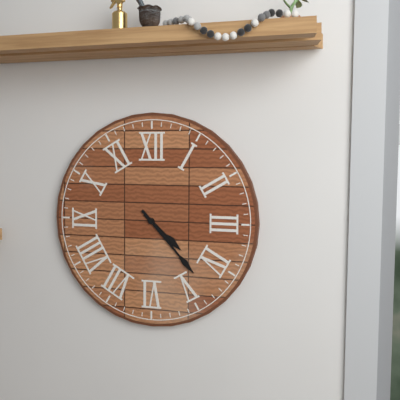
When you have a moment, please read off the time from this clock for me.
4:23
